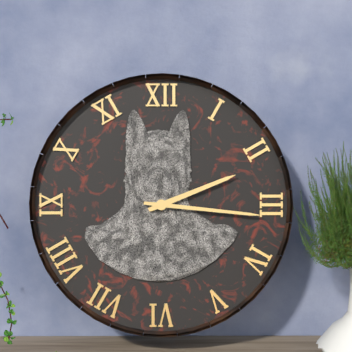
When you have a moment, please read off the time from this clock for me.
2:16
